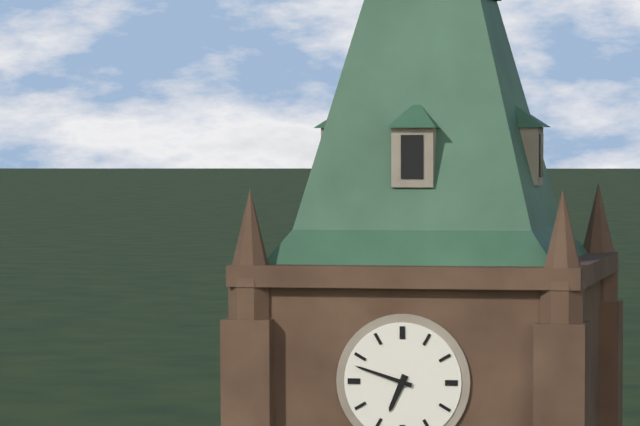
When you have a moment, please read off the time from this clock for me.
6:48
